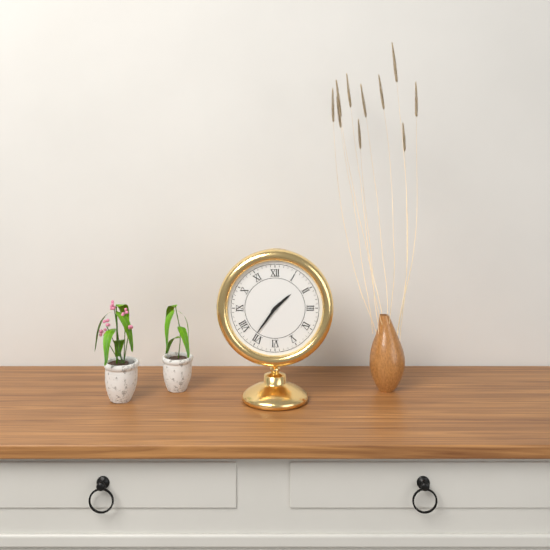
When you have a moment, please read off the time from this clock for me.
1:36
